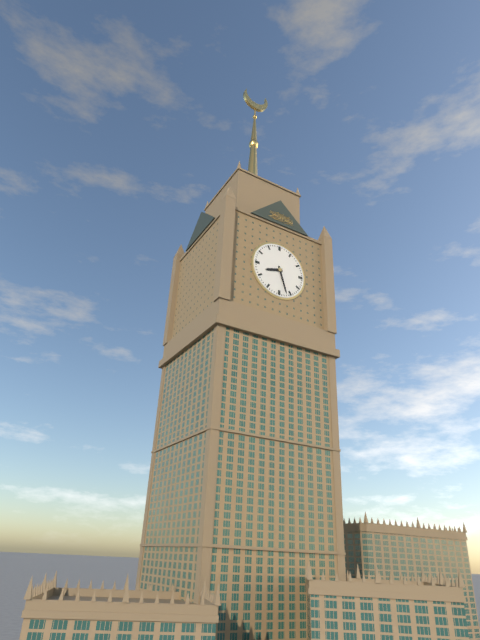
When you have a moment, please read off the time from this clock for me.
8:27
